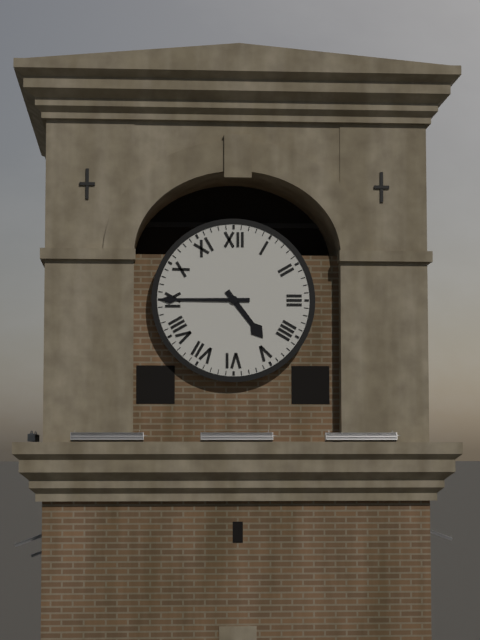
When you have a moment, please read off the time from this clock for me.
4:45
